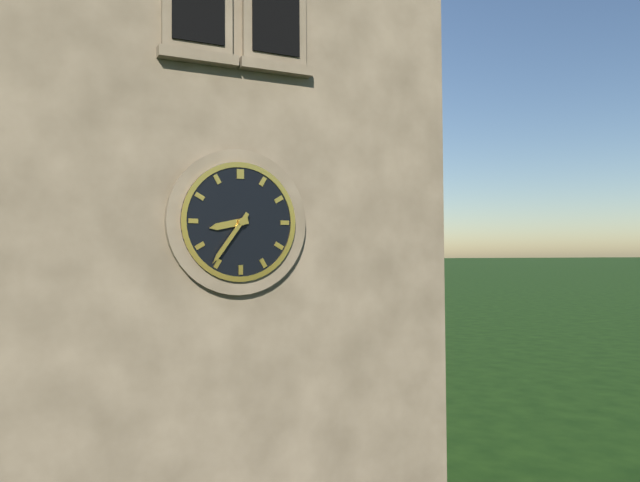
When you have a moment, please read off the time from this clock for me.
8:36
